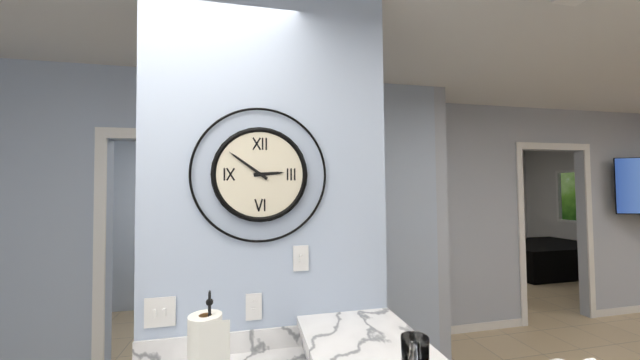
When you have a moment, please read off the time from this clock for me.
2:51
